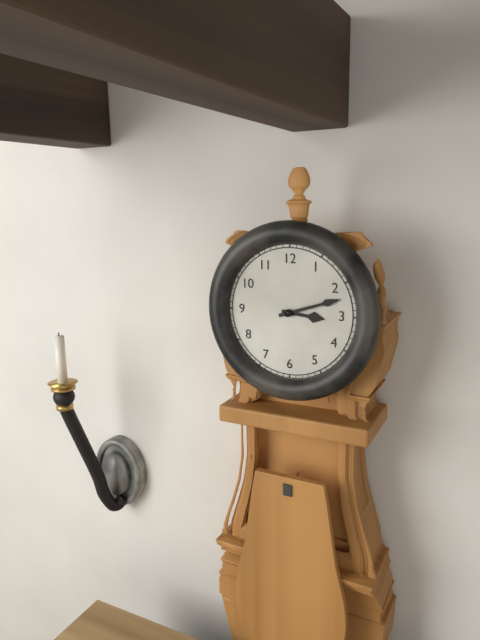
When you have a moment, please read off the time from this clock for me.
3:12
